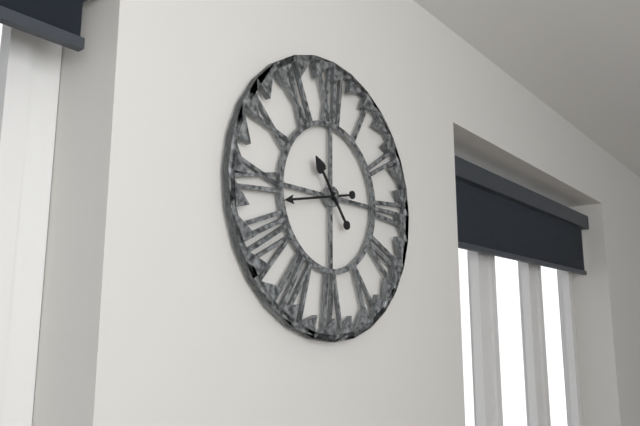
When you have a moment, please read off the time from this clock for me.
10:43
